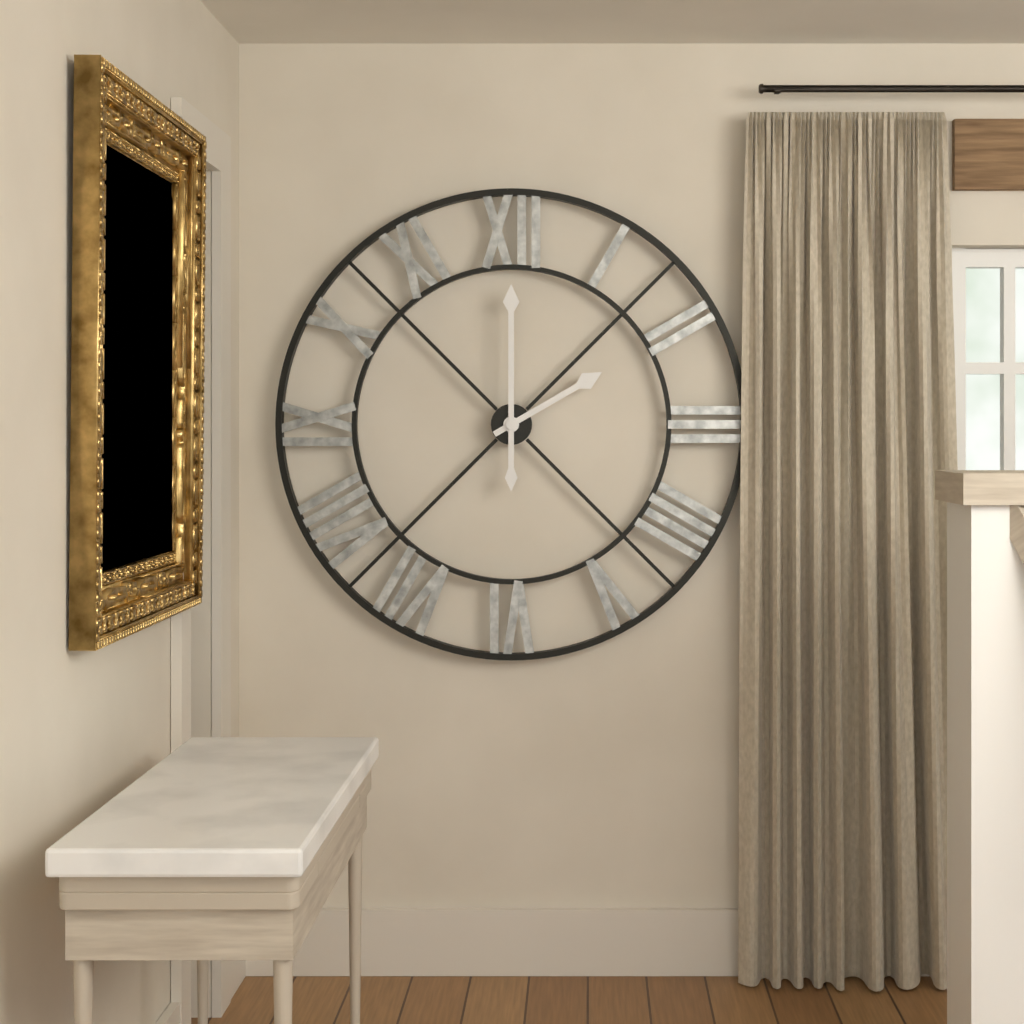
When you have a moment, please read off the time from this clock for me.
2:00
